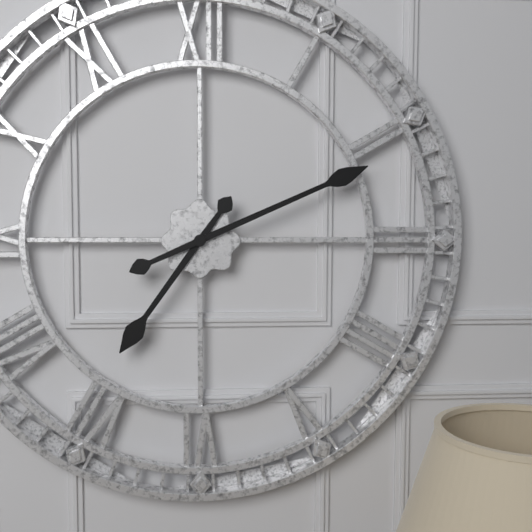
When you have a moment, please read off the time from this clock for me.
7:11
